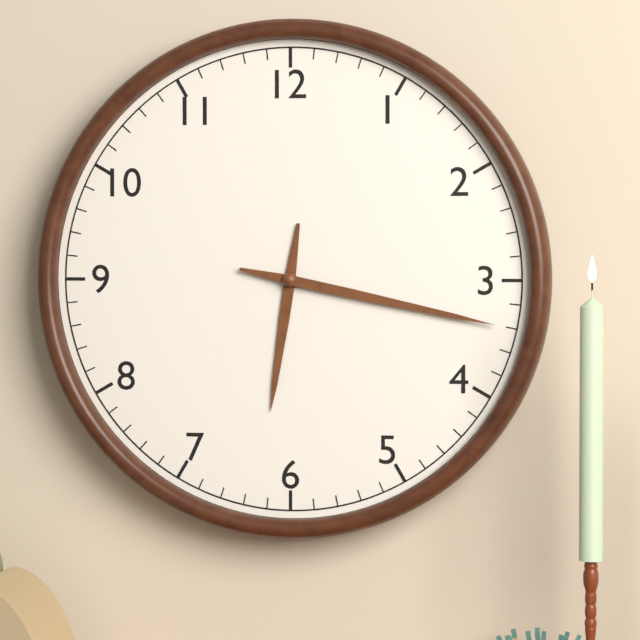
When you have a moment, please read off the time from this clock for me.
6:17
